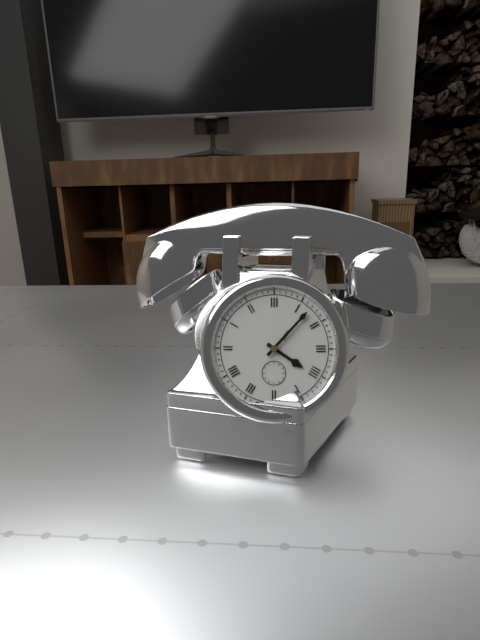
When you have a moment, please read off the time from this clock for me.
4:07
